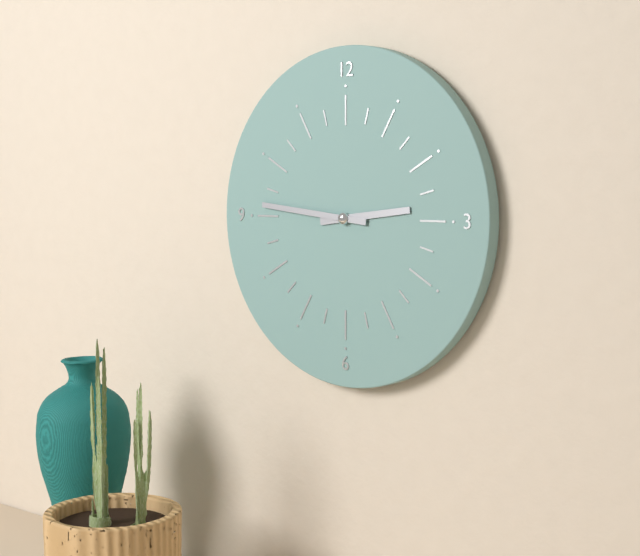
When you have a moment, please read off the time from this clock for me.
2:46
